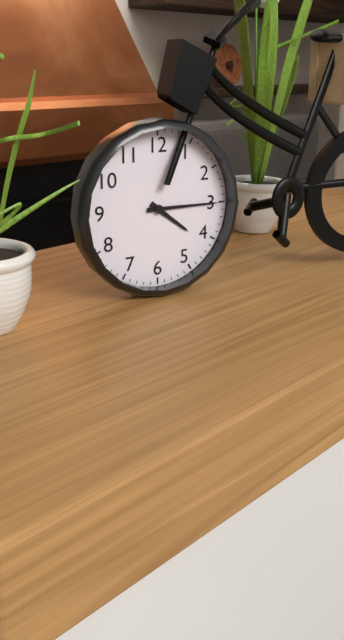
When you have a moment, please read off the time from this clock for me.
4:15
